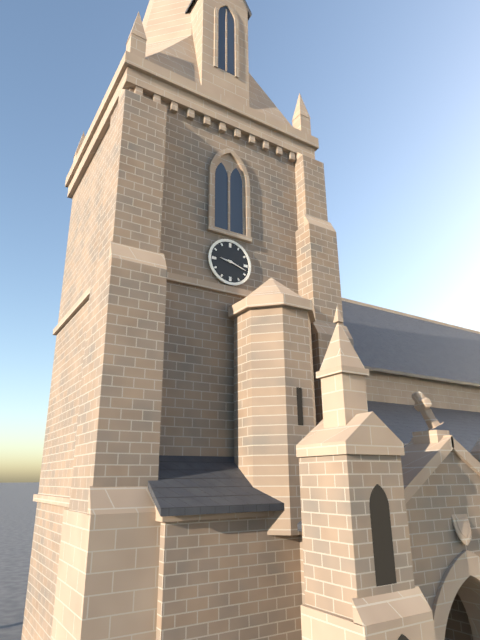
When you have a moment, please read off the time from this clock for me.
9:18
